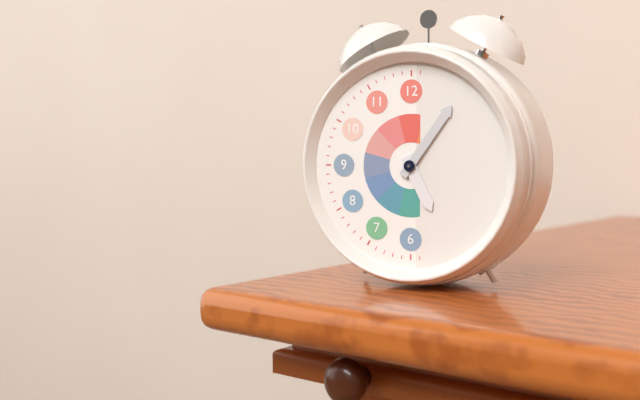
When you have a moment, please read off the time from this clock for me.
5:06
